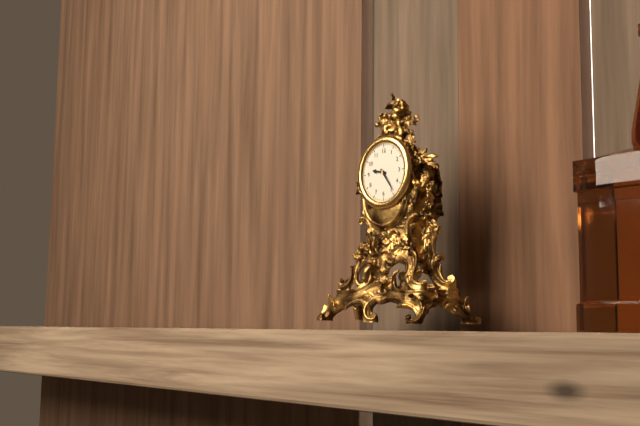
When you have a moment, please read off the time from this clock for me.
9:24
